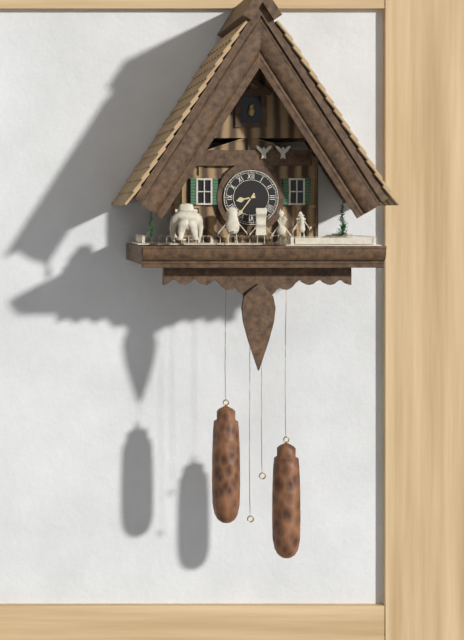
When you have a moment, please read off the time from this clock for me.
8:36
